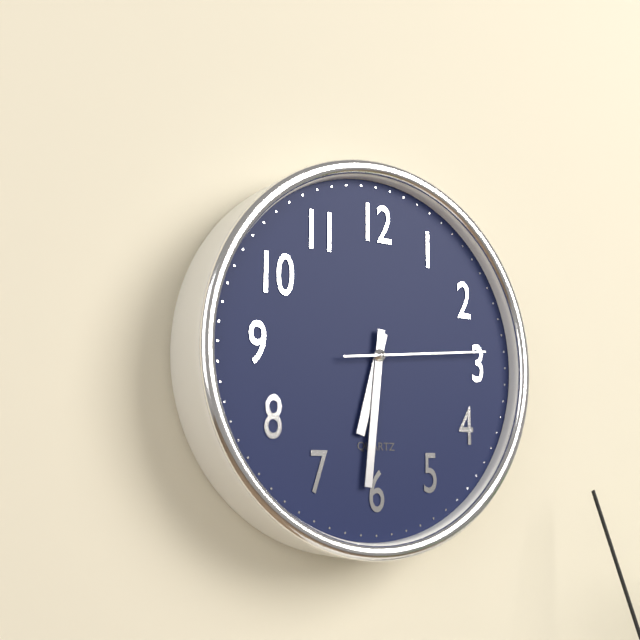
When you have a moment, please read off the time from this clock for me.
6:31:14
